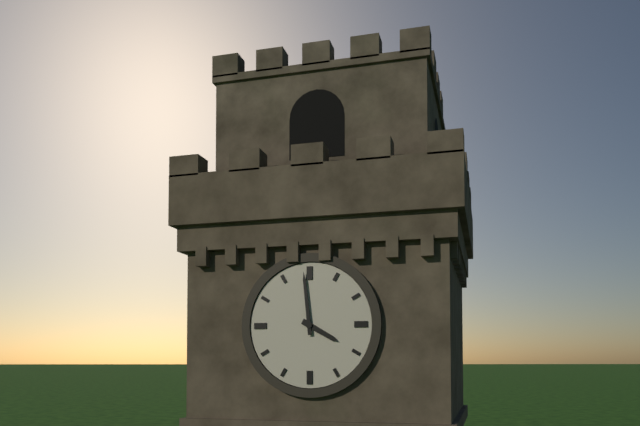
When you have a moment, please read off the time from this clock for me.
3:59
